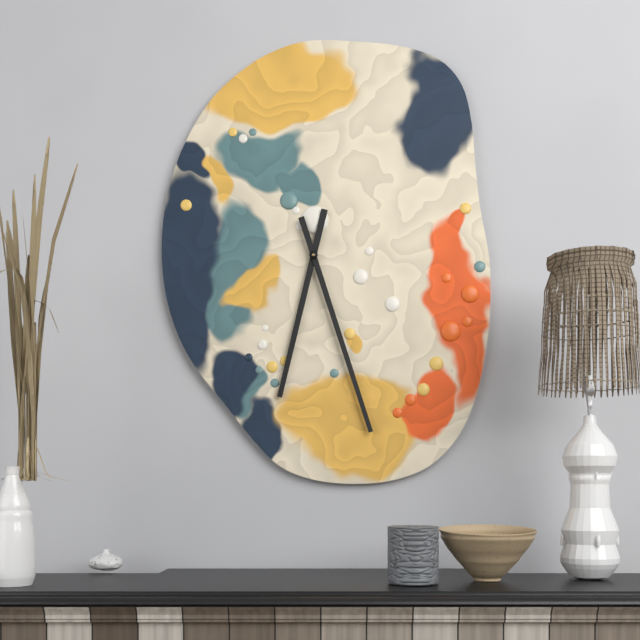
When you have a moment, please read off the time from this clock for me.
6:27
